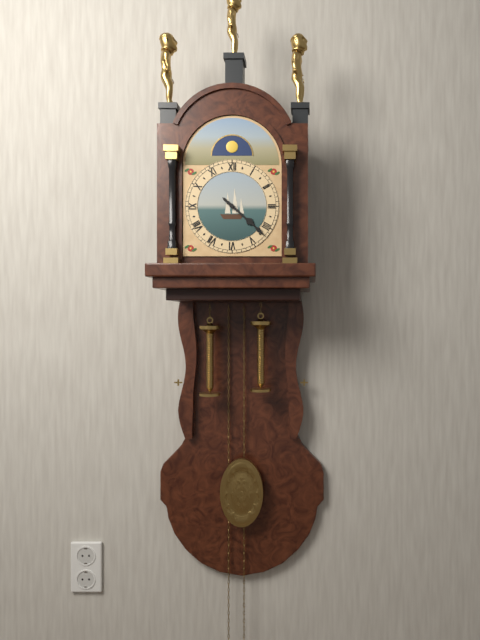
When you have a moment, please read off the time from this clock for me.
4:22
